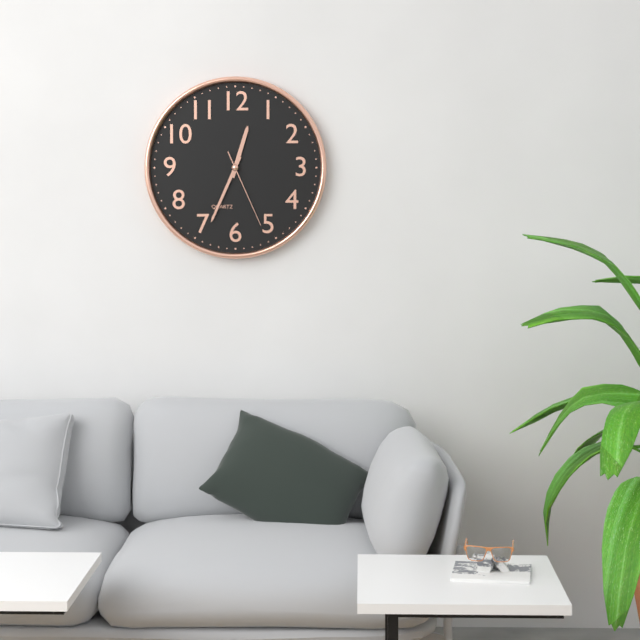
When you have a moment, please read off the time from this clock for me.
12:34:26
